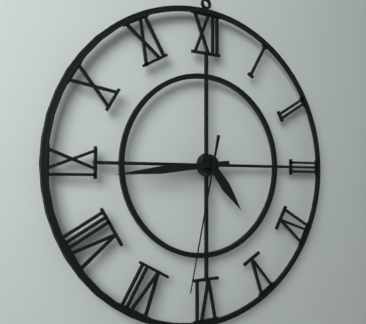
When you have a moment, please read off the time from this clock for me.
4:44:32
